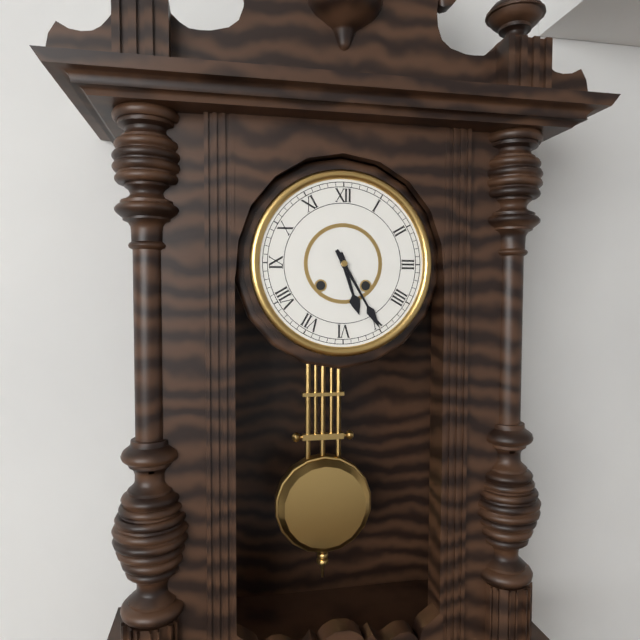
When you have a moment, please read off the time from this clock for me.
5:25
